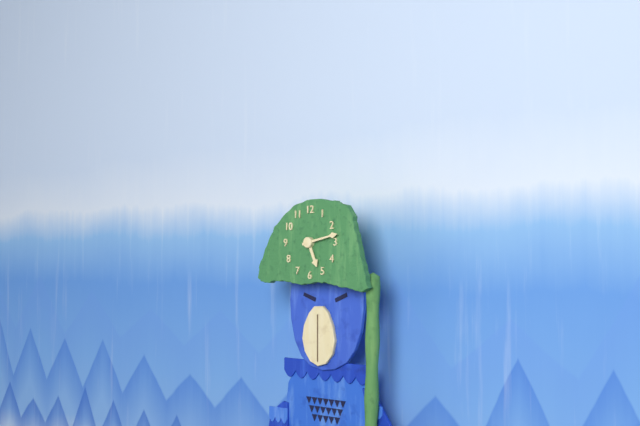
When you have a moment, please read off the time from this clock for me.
5:13
